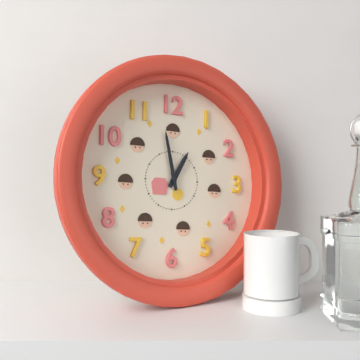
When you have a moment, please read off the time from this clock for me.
12:58
